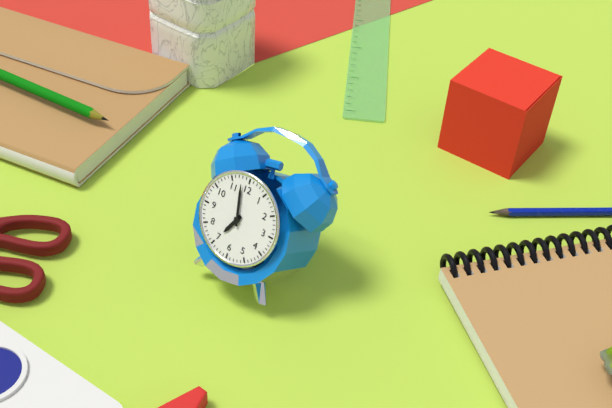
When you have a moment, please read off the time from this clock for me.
6:58
